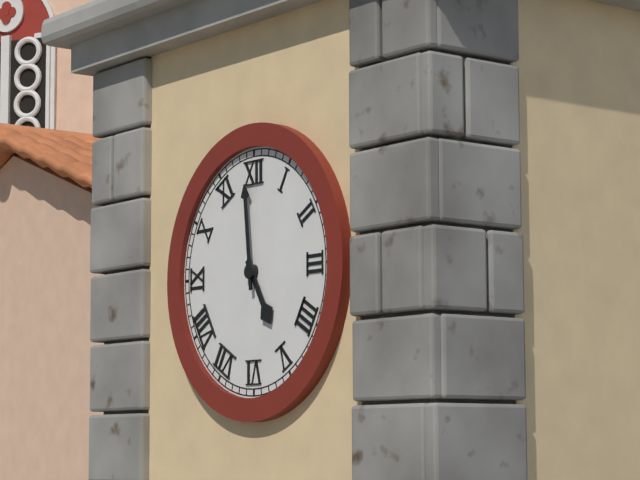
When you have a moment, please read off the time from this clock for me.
4:59
